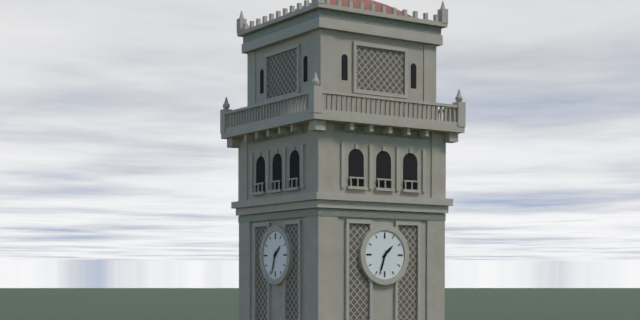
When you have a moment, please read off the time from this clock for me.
1:33
